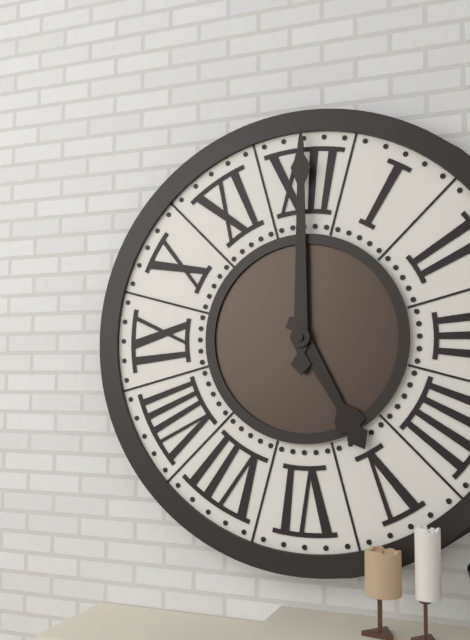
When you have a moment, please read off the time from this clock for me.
5:00
